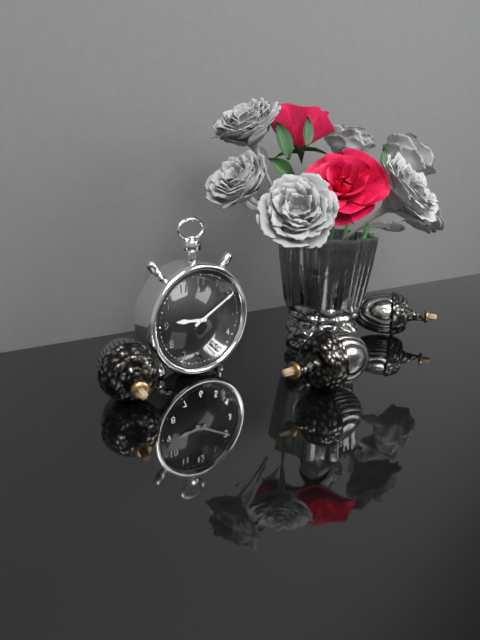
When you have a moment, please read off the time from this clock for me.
9:10
